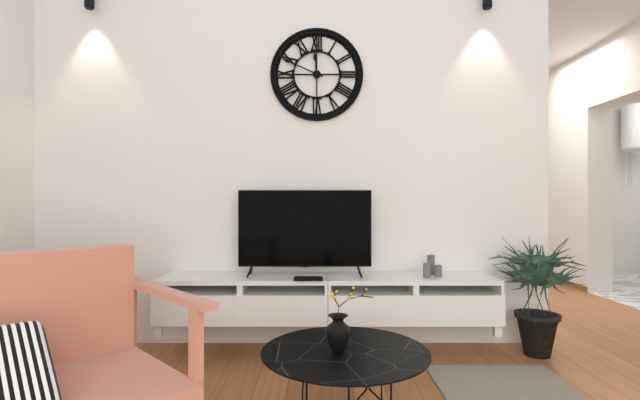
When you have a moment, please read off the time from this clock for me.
11:49
